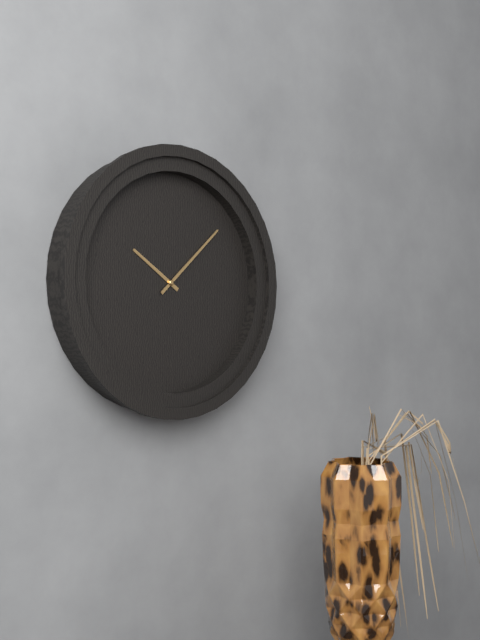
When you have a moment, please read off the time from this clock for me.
10:08
